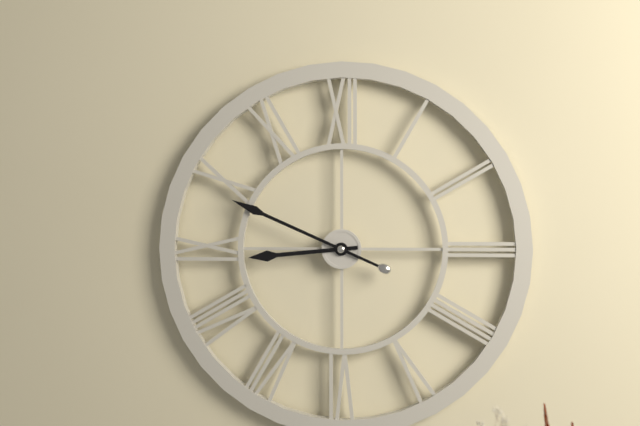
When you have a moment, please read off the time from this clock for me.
8:49
